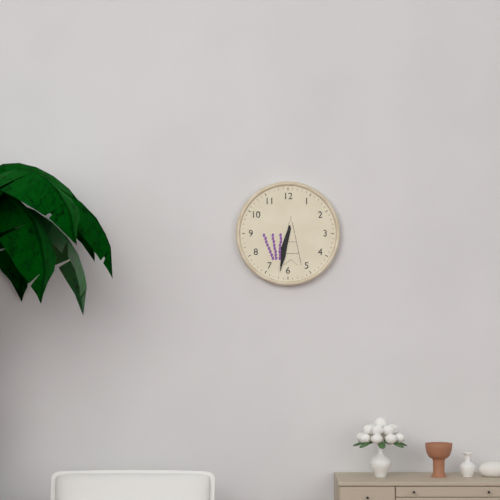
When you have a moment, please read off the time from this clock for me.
6:32
